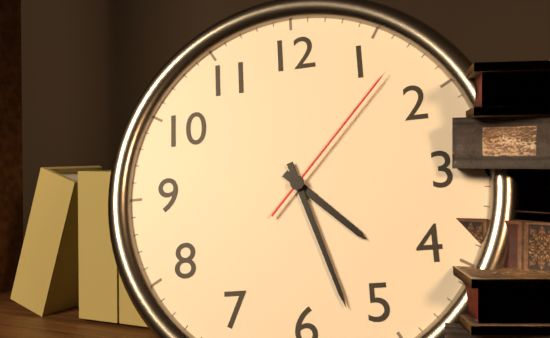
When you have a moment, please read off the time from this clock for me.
4:27:07
